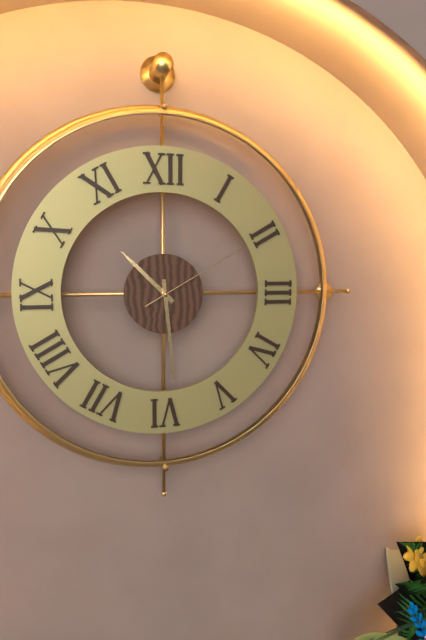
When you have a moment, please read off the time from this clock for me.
10:29:10
